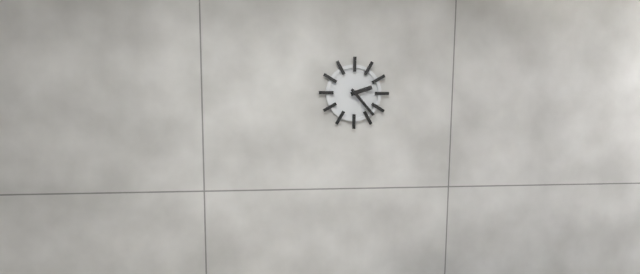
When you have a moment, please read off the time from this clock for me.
2:23
